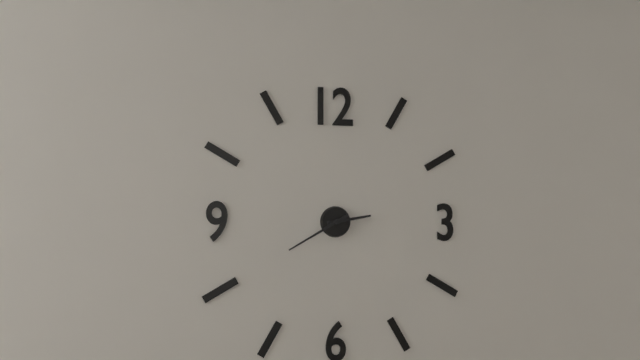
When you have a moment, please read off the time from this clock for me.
2:40
